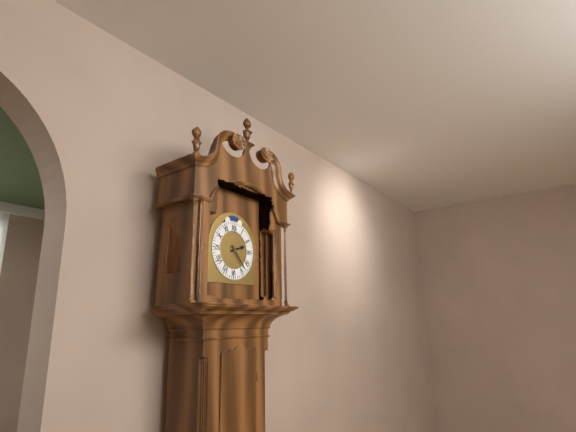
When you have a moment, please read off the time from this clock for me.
2:23
